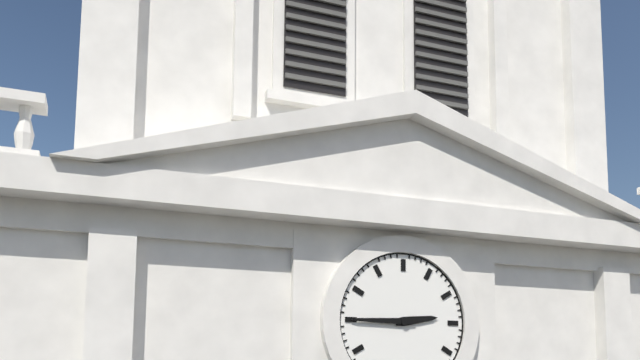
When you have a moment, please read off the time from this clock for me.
2:45
